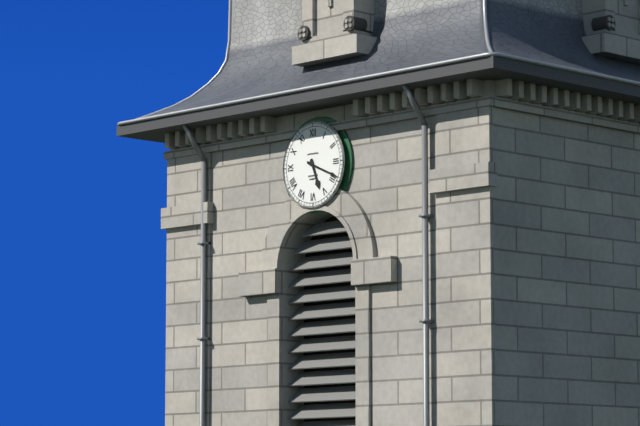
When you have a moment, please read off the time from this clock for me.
5:19
